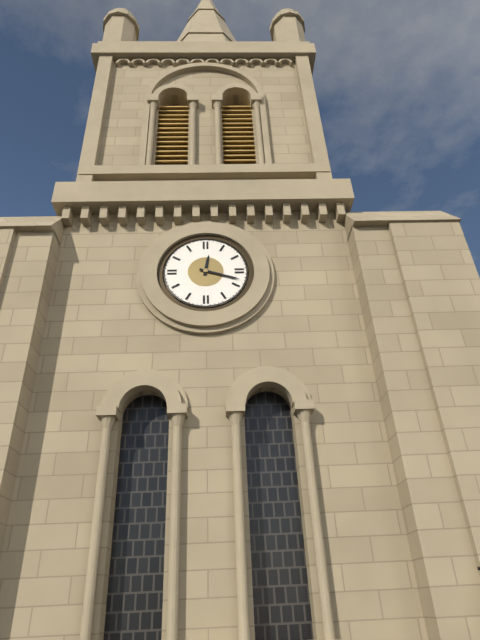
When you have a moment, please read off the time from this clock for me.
12:18
